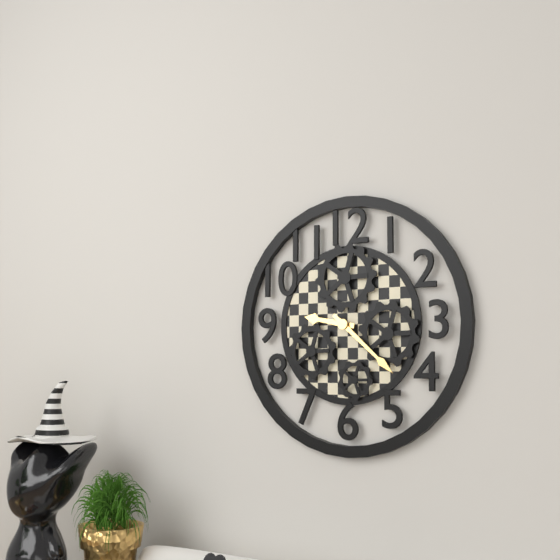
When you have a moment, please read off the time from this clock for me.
9:22
